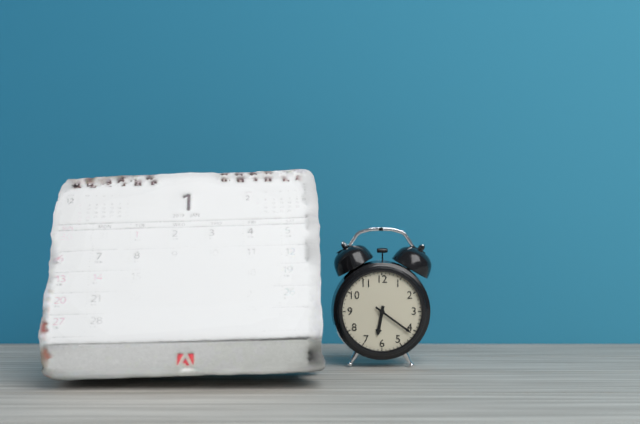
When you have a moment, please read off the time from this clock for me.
6:21
